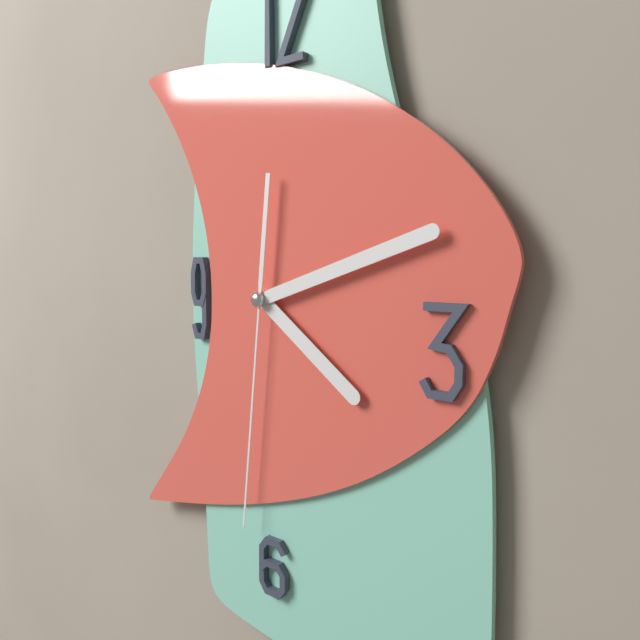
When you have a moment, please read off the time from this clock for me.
4:12:31
